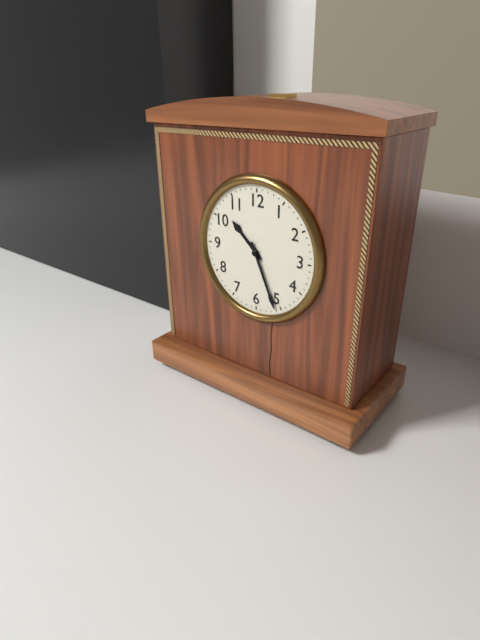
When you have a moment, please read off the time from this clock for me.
10:26
